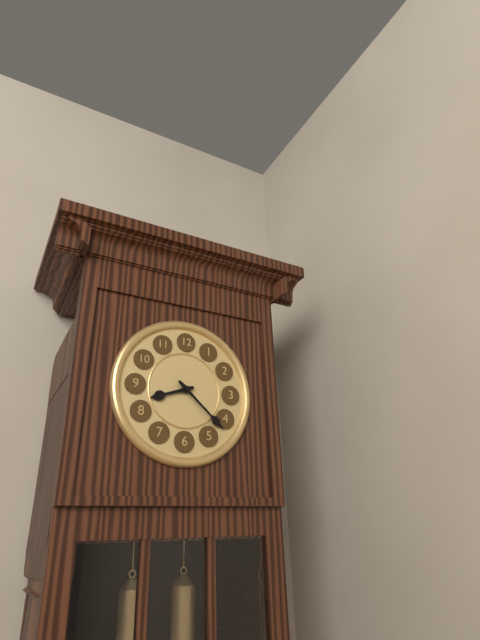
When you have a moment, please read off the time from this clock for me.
8:22
